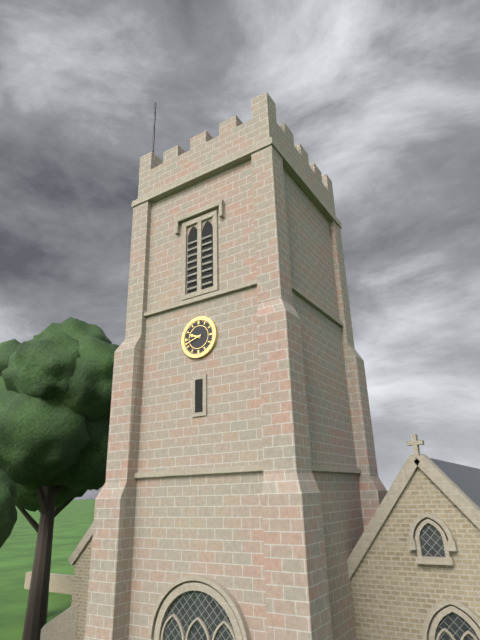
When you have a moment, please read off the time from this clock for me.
9:42
